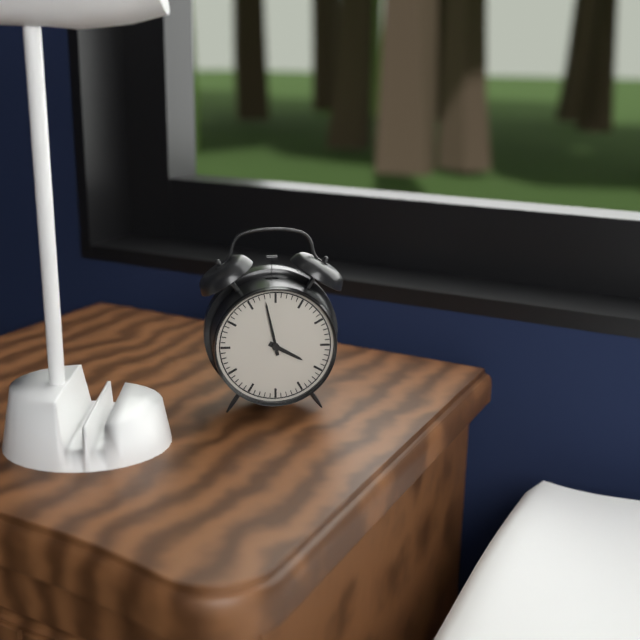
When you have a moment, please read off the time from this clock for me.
3:58
